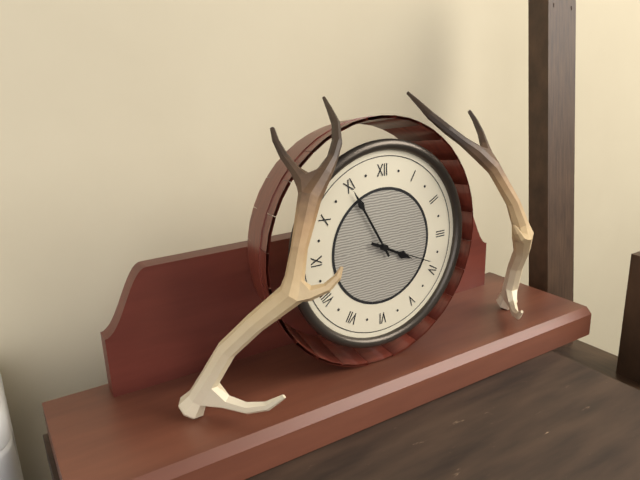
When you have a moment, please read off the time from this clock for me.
3:55:19
